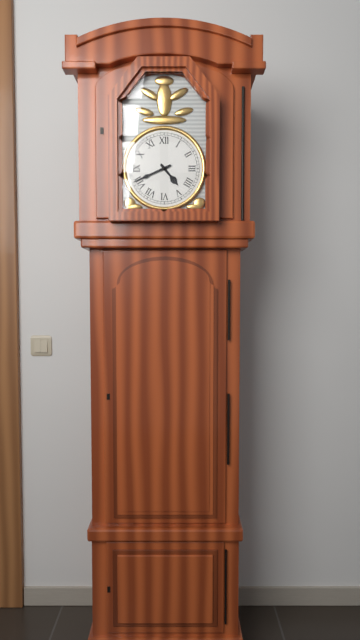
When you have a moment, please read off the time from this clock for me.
4:41
